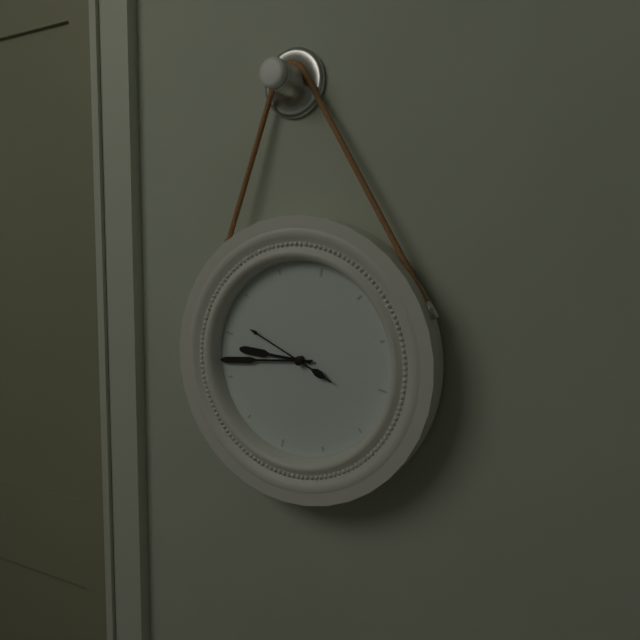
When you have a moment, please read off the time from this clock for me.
8:42:47
